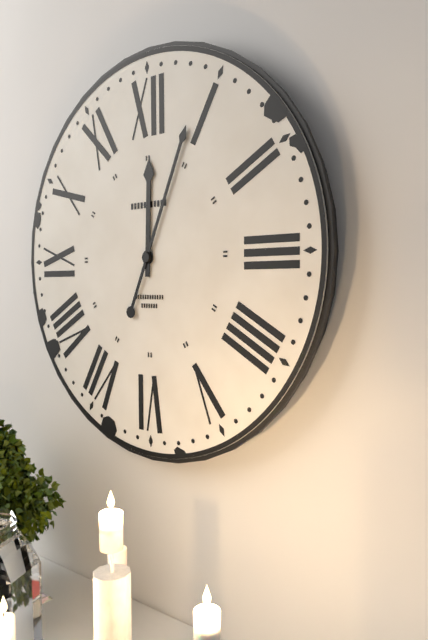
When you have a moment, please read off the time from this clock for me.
12:04
